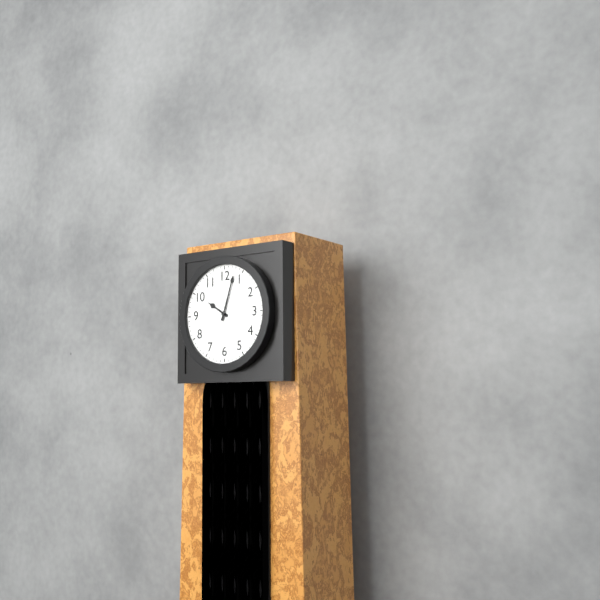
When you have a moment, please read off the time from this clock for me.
10:03
